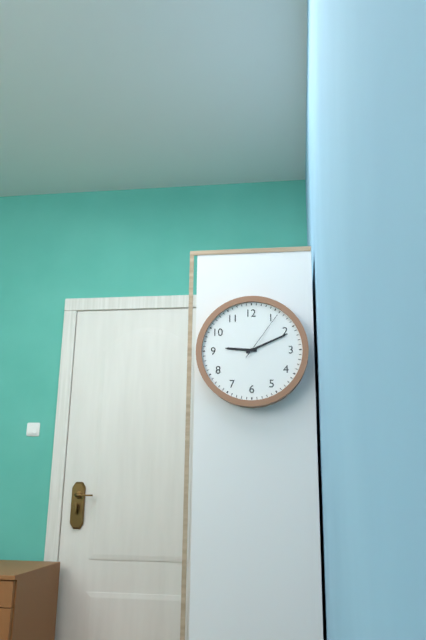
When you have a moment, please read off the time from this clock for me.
9:11:06
